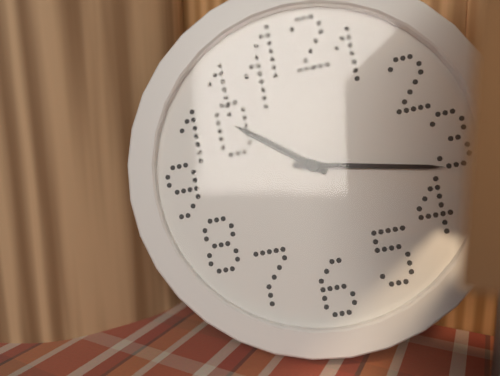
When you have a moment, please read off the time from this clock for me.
10:17
